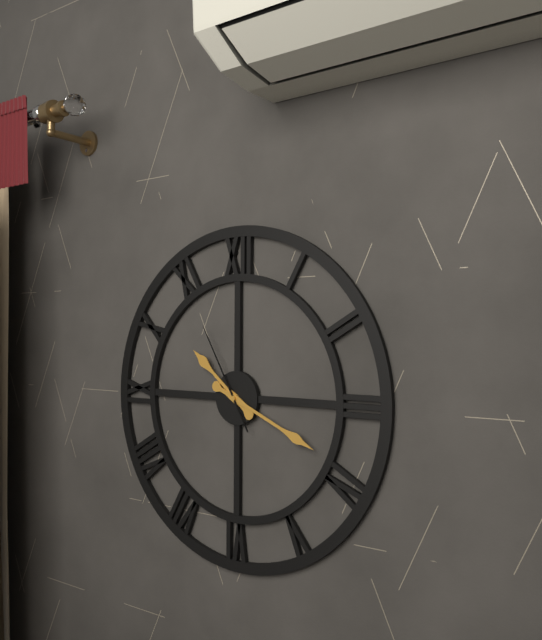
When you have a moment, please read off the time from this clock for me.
10:19:55
